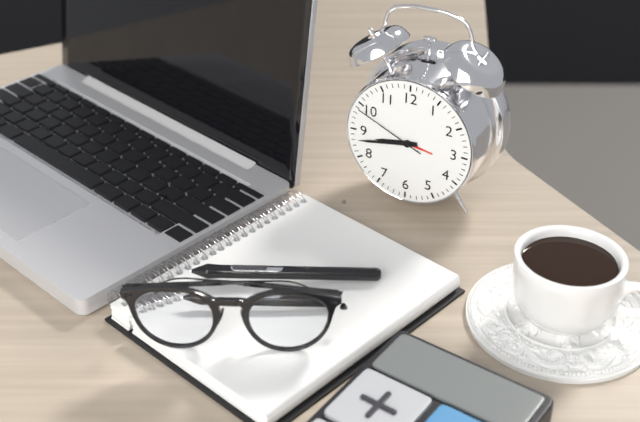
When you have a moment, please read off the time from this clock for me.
8:43:49
